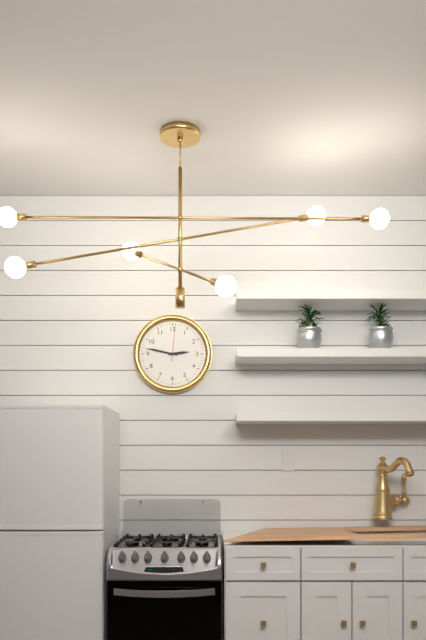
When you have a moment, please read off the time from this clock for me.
2:47
